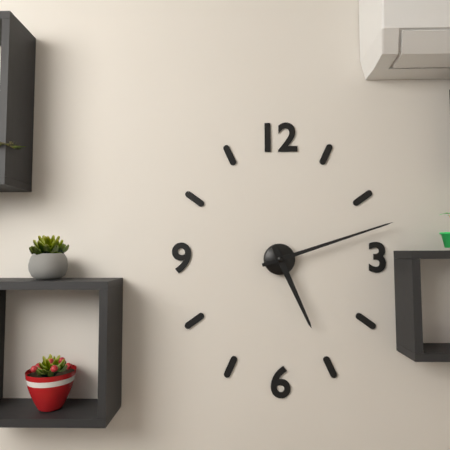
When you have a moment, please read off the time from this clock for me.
5:12
